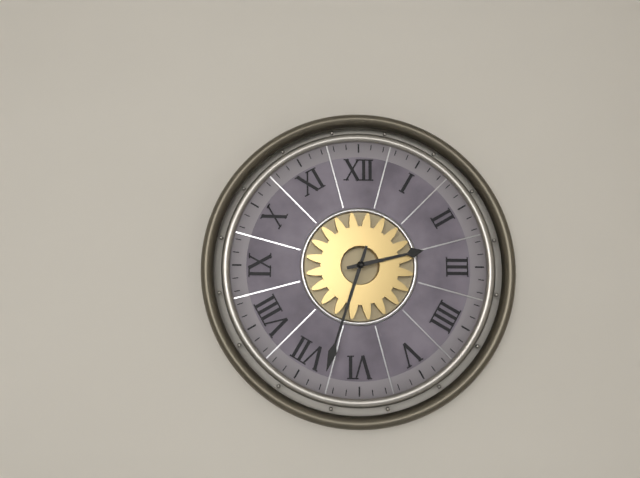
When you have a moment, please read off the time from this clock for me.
2:33
